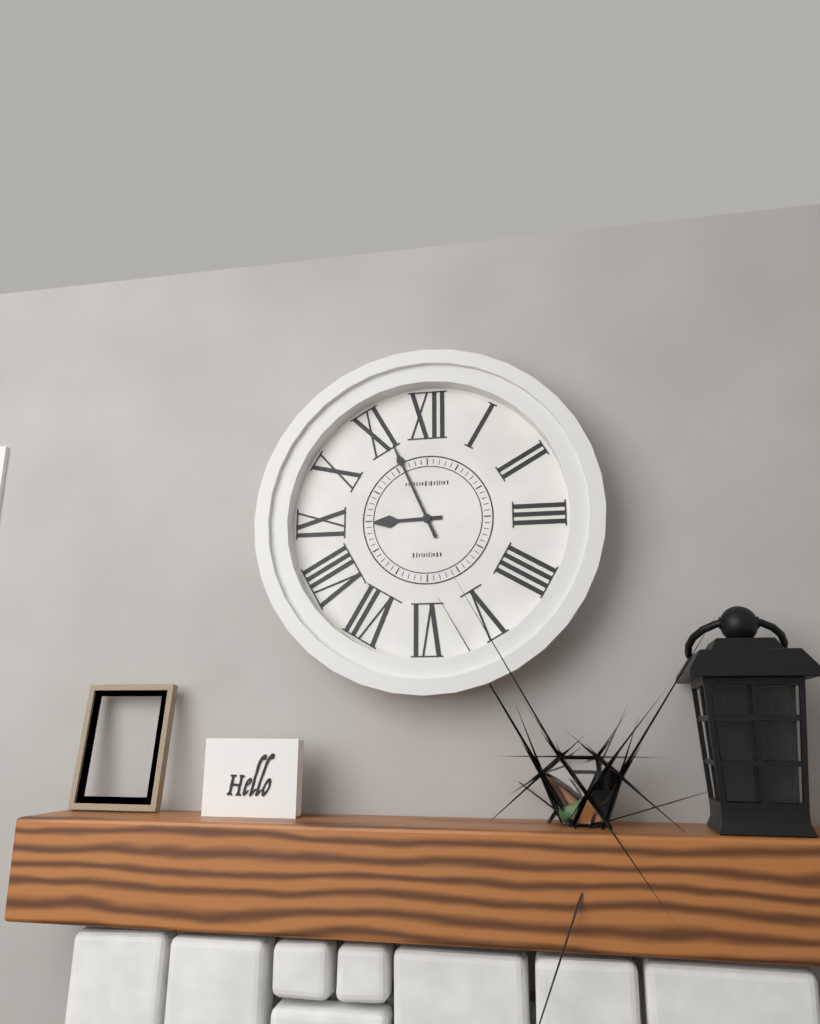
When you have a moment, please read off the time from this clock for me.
8:56
